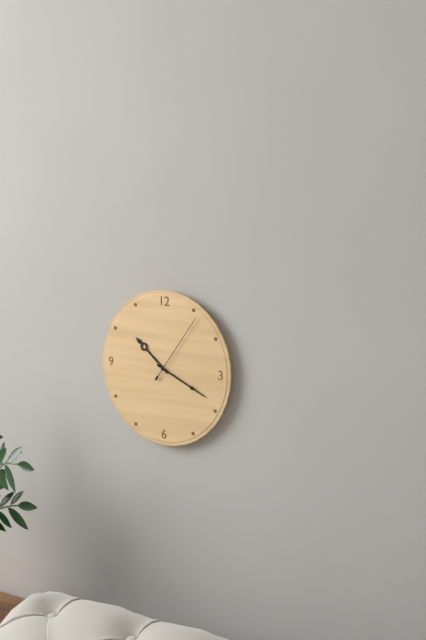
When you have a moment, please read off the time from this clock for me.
10:19:06
